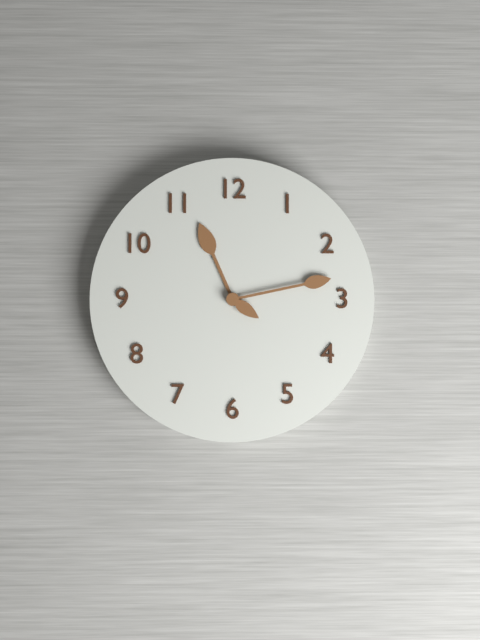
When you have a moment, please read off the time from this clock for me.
11:13
